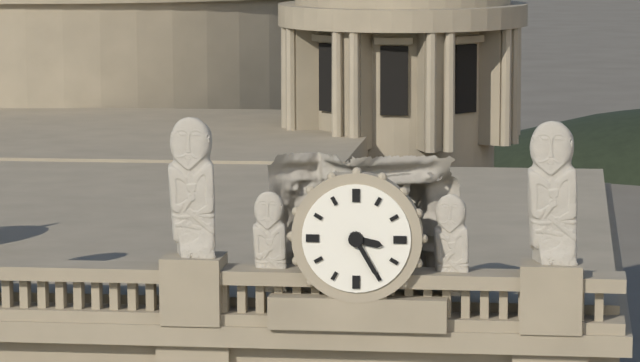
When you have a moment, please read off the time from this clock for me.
3:25
